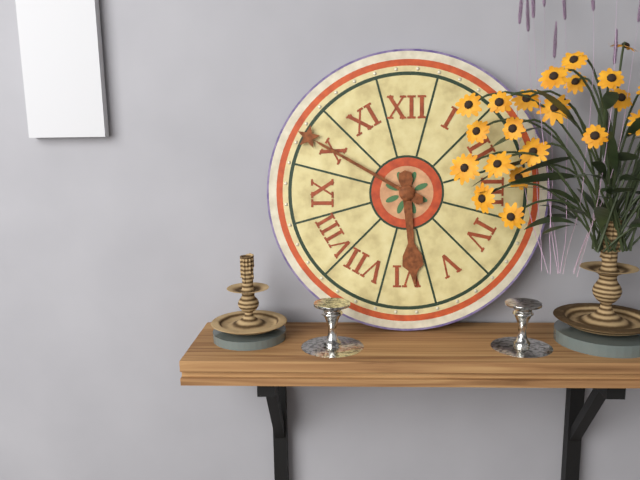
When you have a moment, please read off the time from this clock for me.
5:50
